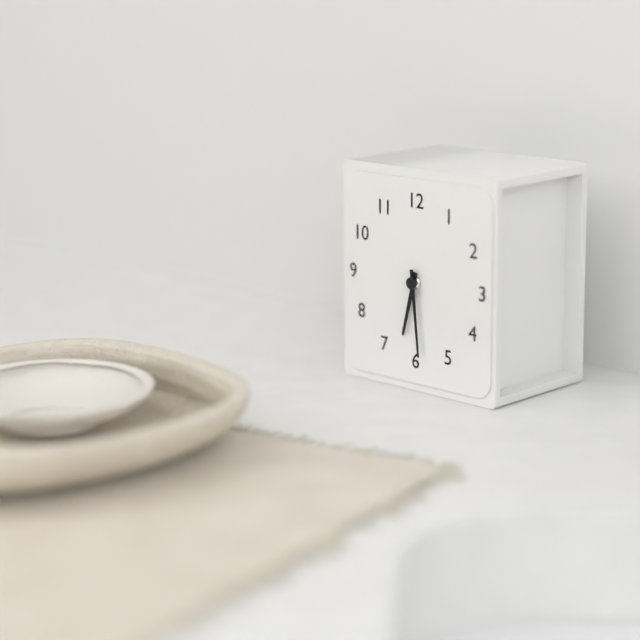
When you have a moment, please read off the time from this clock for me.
6:29
